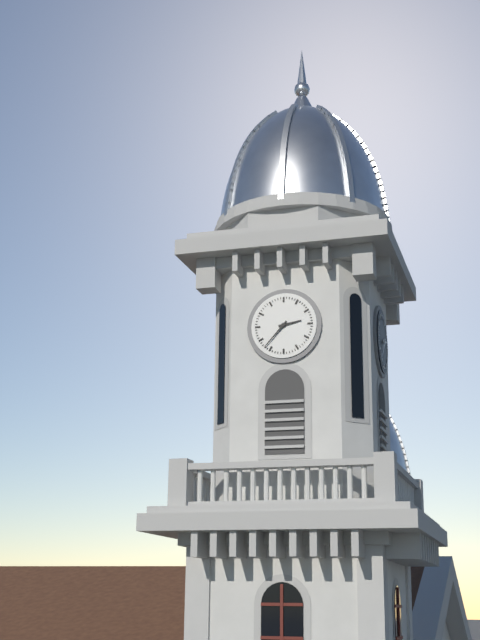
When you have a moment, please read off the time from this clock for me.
2:37
